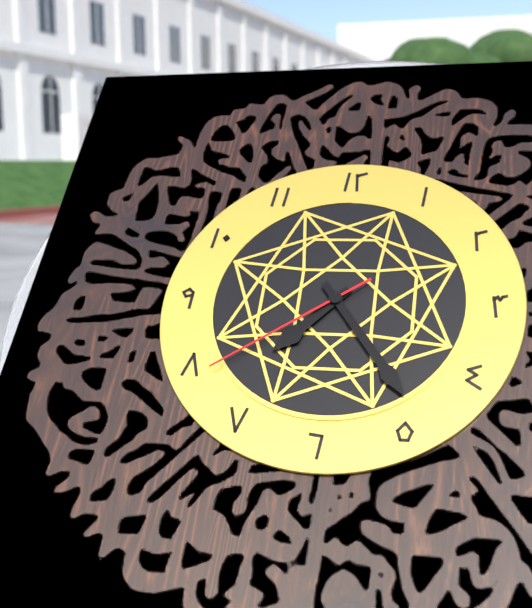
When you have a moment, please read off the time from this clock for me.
7:24:39
